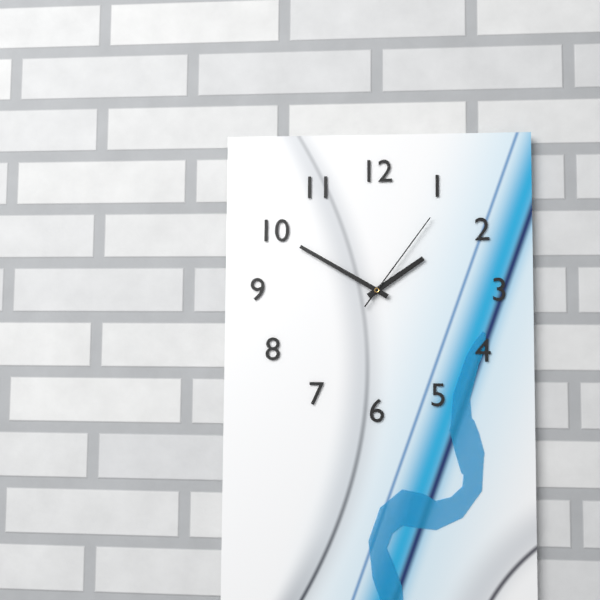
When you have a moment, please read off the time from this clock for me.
1:50:06
